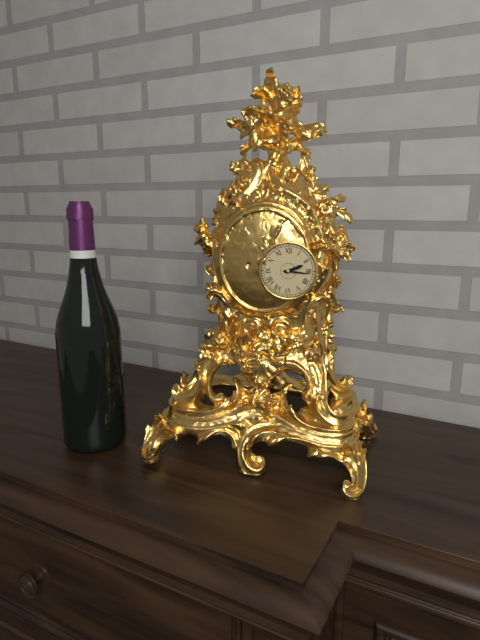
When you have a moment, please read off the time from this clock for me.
2:16
